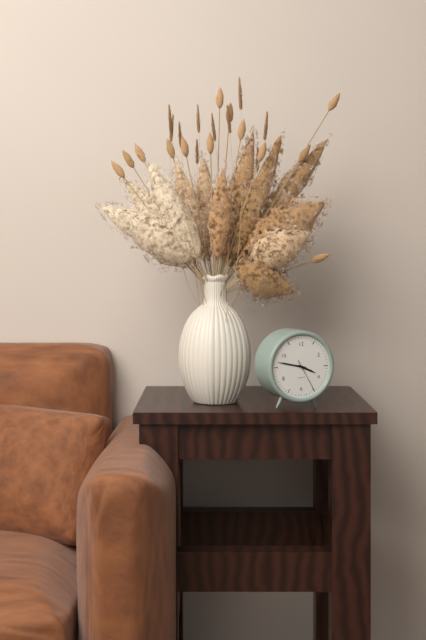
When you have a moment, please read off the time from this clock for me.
3:47
